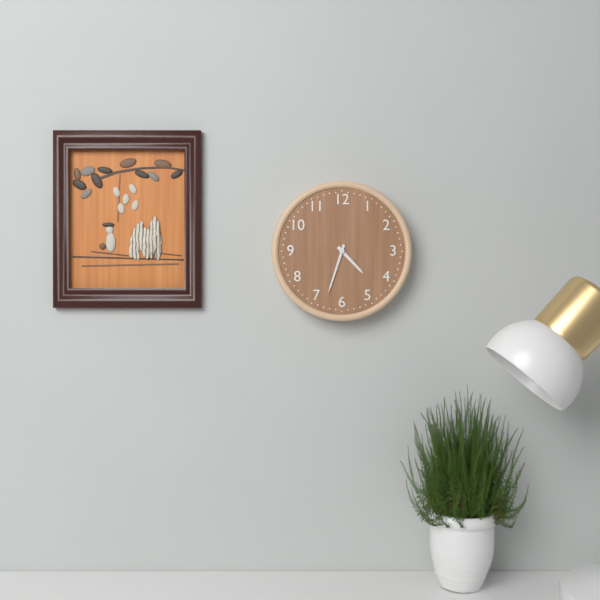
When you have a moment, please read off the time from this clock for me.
4:33
